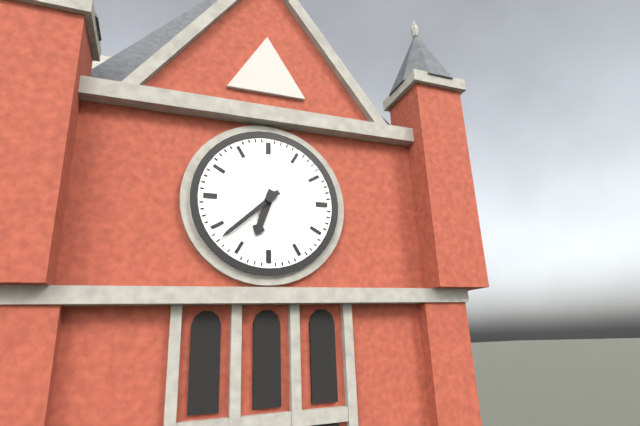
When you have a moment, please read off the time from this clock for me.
6:38
